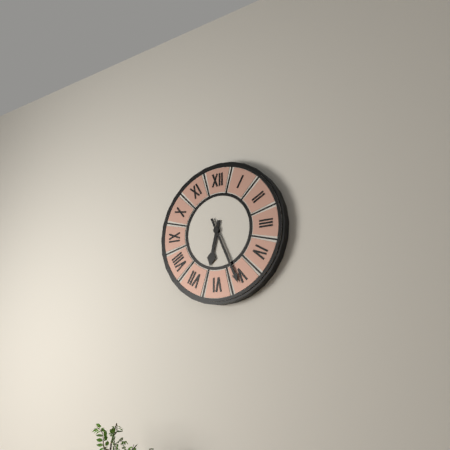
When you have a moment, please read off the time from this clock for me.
6:26
